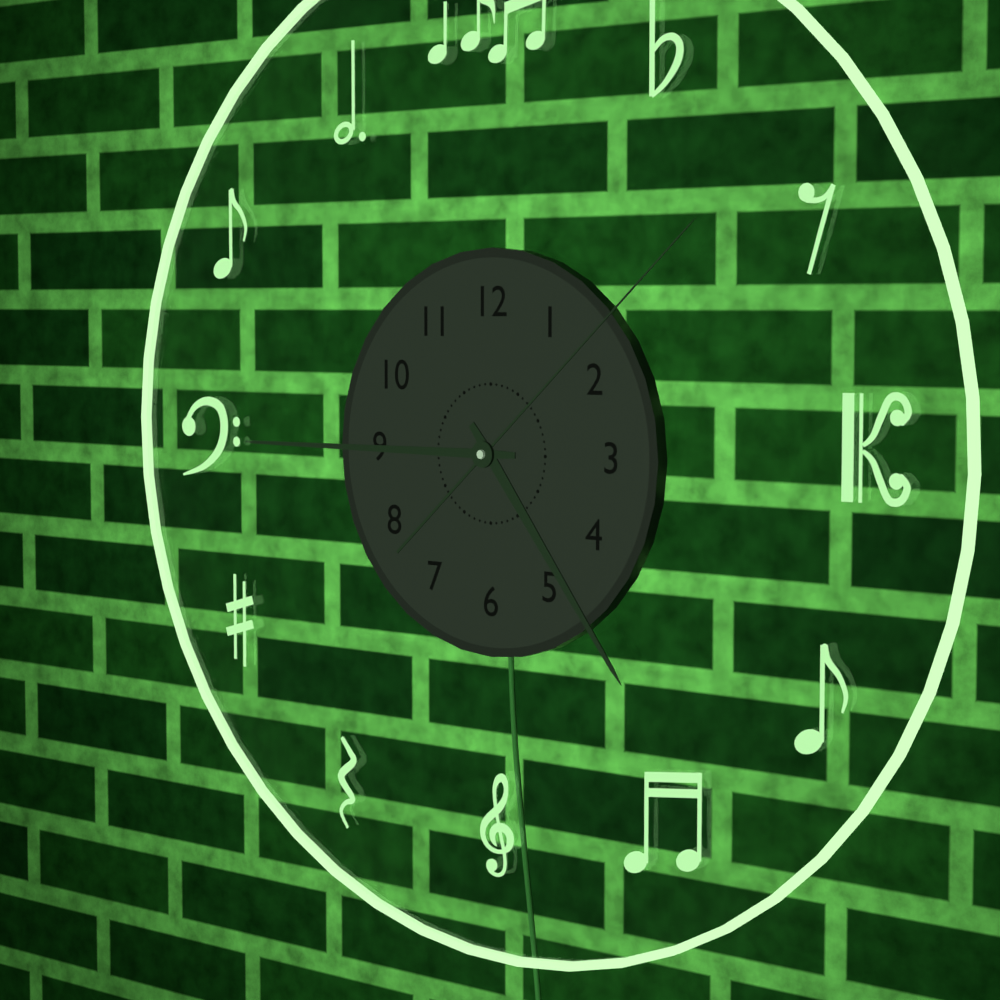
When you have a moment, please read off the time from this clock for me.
4:45:08
